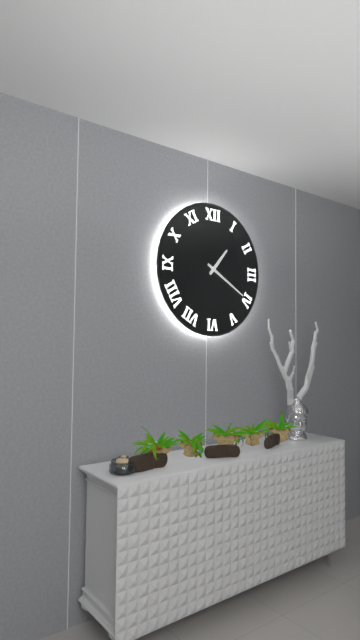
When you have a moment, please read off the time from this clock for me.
1:20
